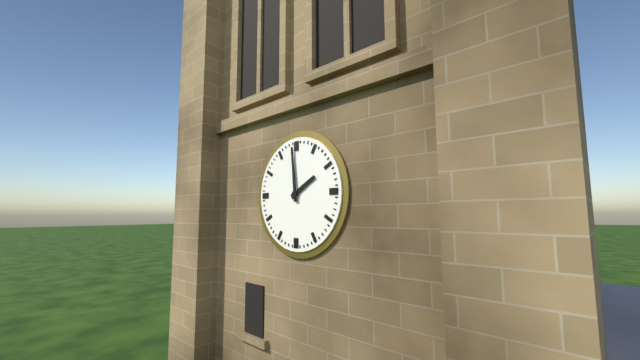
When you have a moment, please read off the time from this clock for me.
1:59
